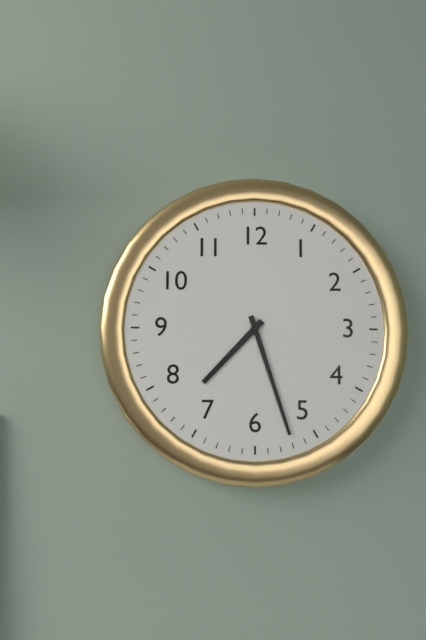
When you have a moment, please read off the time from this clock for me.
7:27
